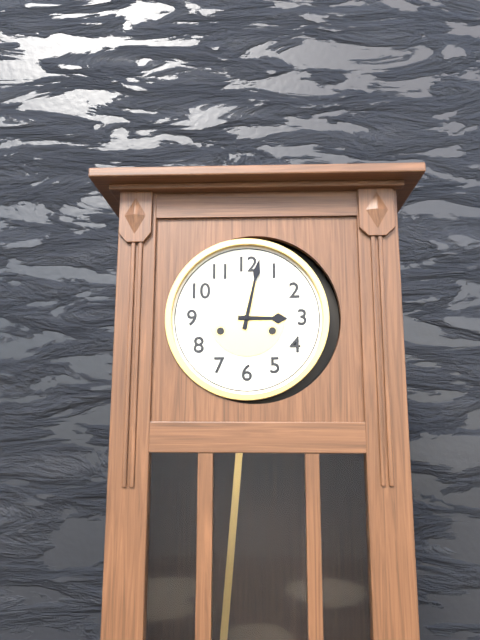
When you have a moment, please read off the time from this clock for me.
3:02
